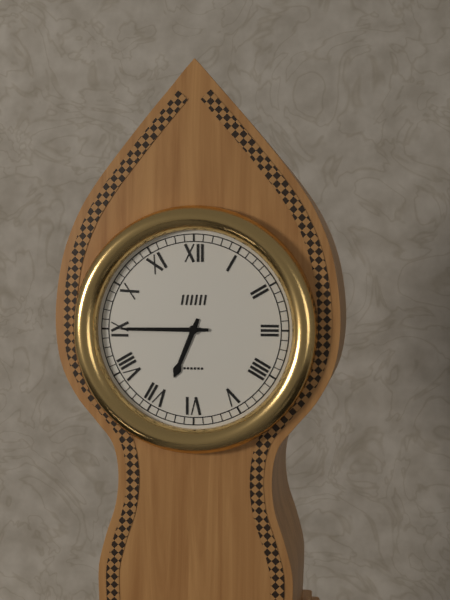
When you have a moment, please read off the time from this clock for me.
6:45
